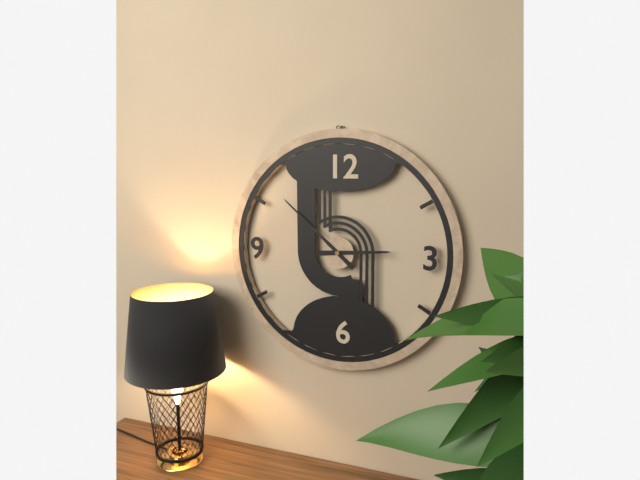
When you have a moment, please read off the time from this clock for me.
2:52
